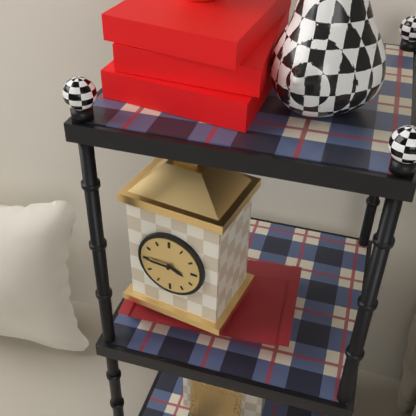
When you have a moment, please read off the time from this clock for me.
3:45
